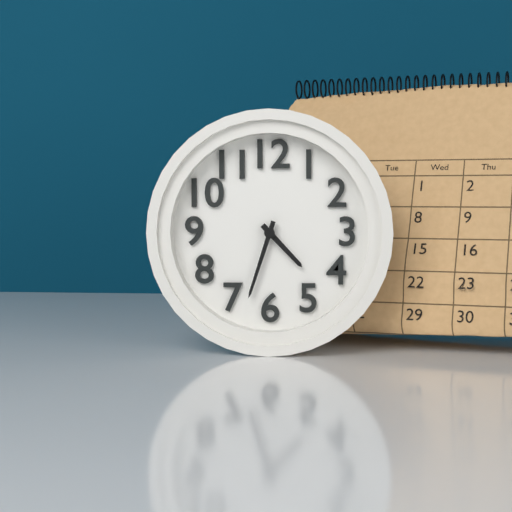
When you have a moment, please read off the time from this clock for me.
4:33
